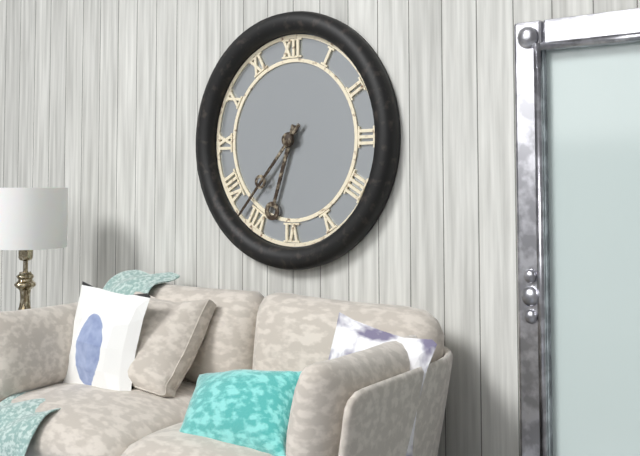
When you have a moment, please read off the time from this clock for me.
6:37
